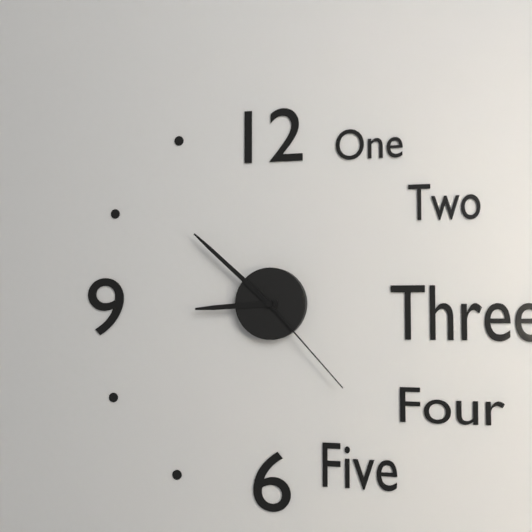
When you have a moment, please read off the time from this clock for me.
8:52:23
